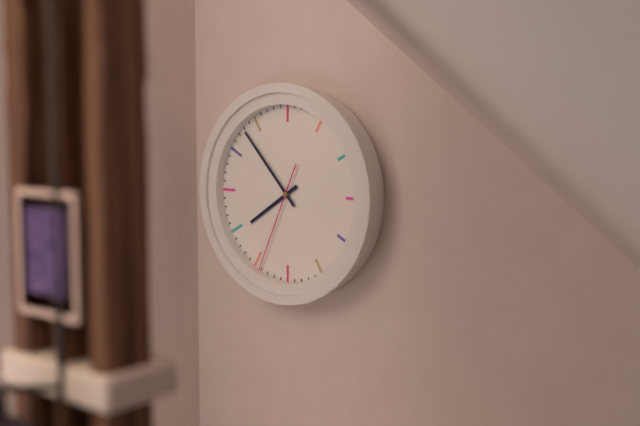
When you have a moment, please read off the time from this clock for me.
7:53:34
